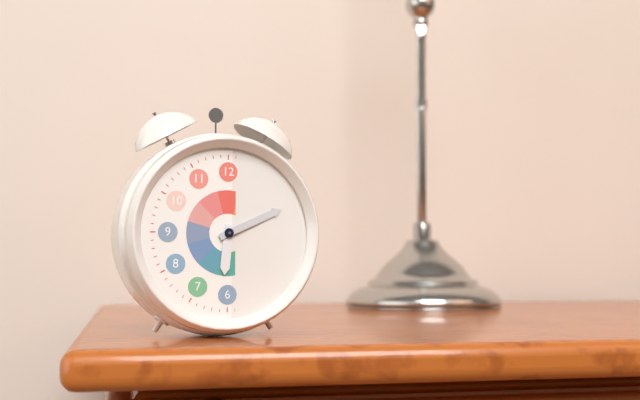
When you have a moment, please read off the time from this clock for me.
6:11
